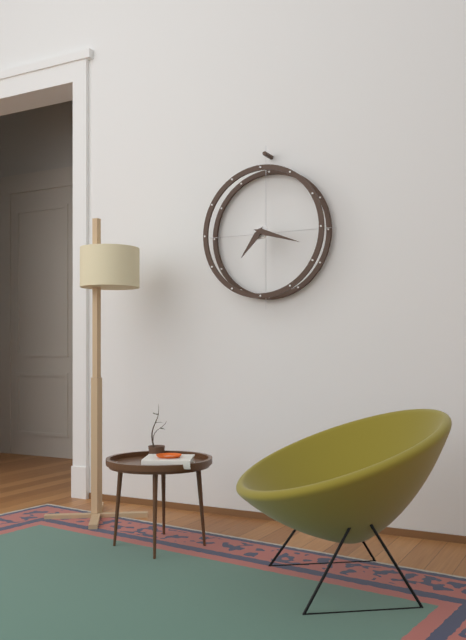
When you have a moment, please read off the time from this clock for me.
7:18
